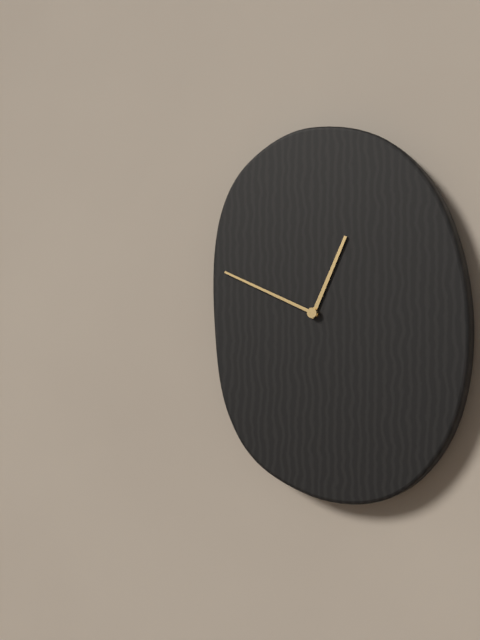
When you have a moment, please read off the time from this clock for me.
12:49
